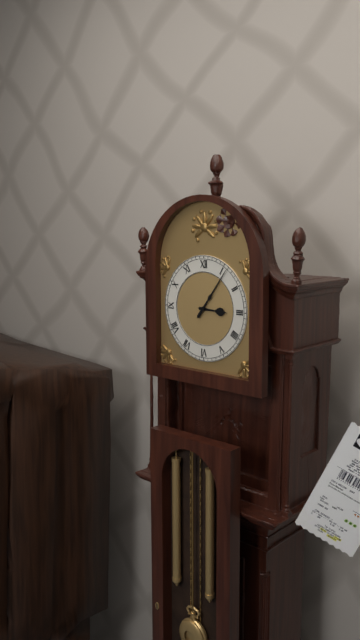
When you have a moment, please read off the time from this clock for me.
3:06
